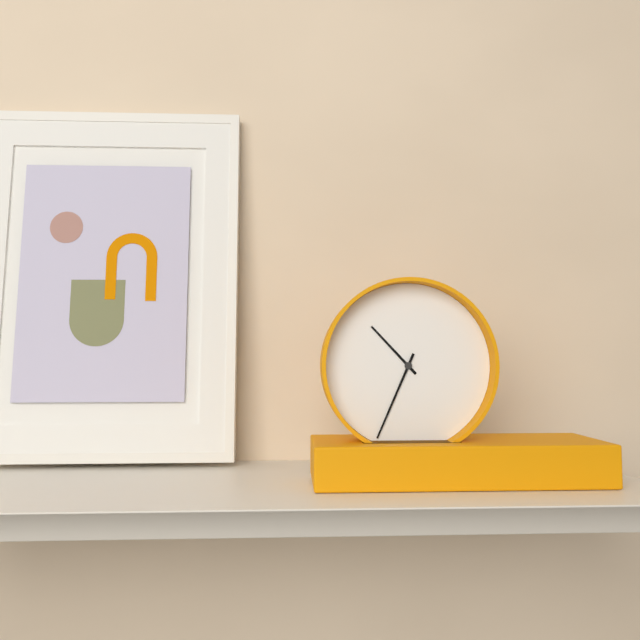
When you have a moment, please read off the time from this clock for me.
10:34
